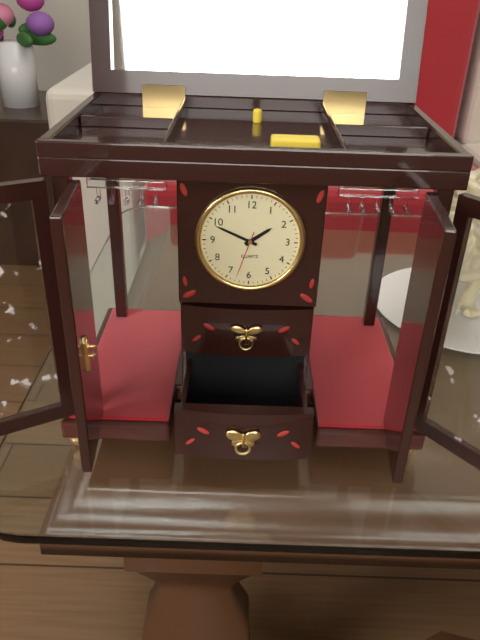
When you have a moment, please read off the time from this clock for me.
1:49
